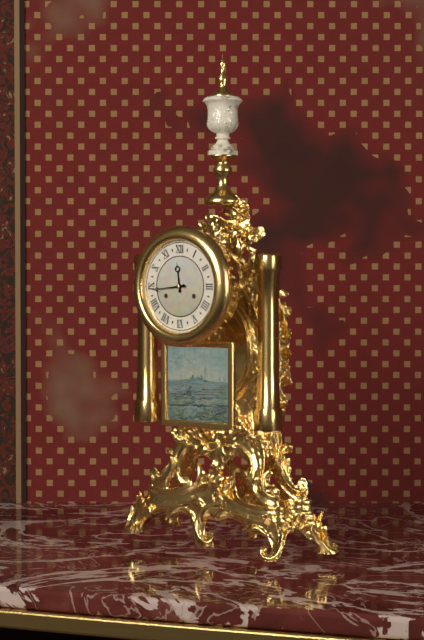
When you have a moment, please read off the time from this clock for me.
11:44
